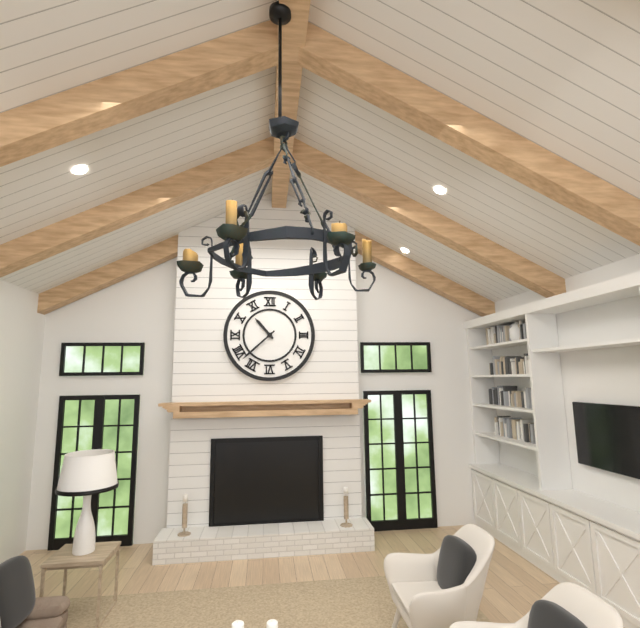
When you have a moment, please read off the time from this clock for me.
10:38
